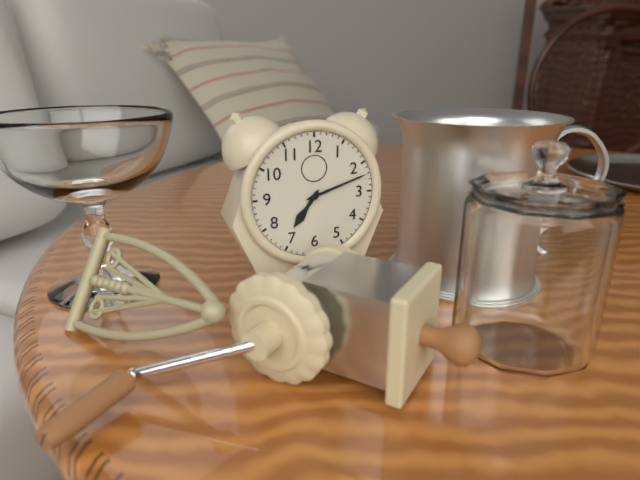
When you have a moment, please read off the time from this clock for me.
7:12
